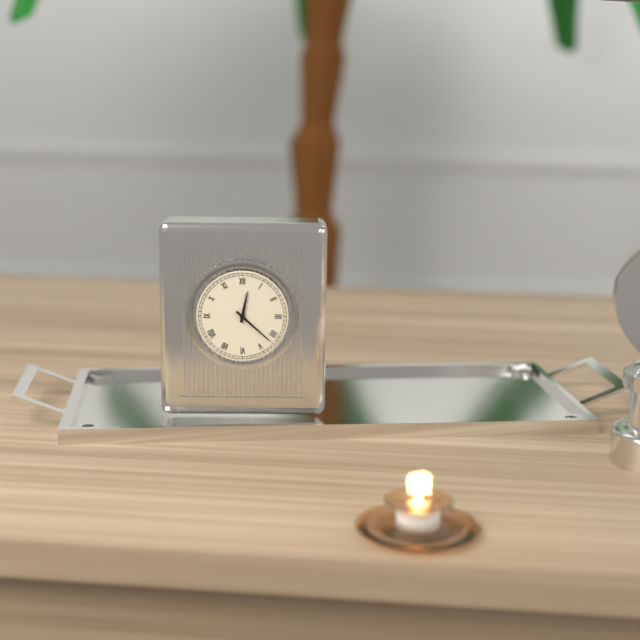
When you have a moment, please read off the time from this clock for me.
12:22
